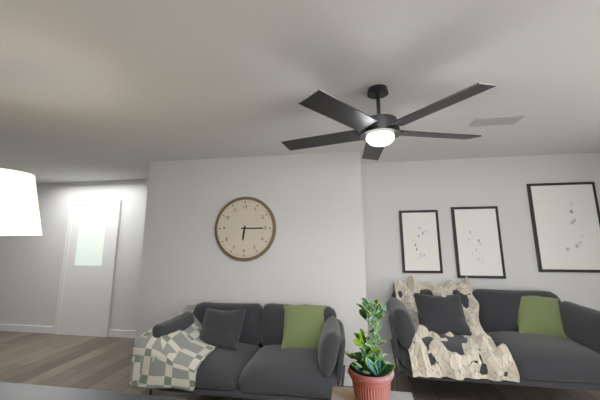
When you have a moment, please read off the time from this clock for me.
6:15
